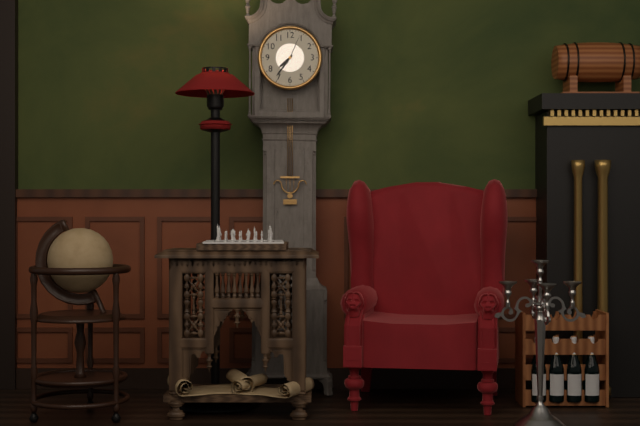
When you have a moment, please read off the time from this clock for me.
7:36
